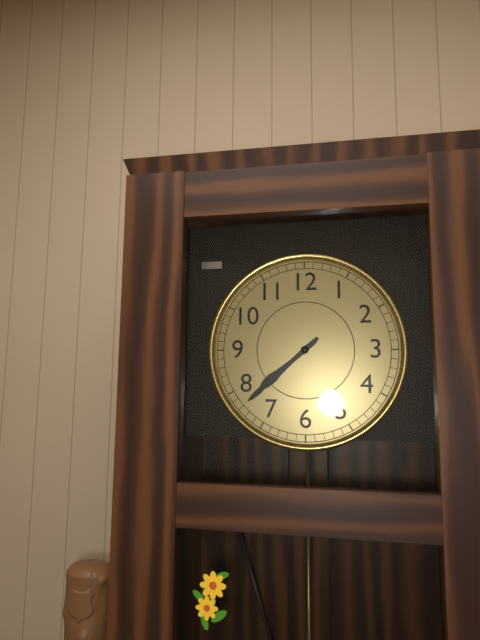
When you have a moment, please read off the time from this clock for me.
7:38
